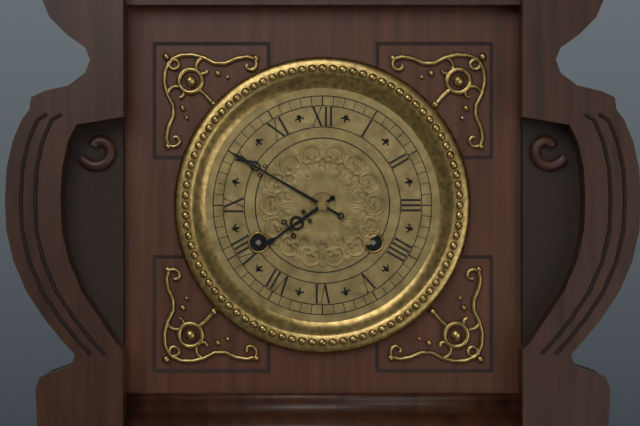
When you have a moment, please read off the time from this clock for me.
7:50
